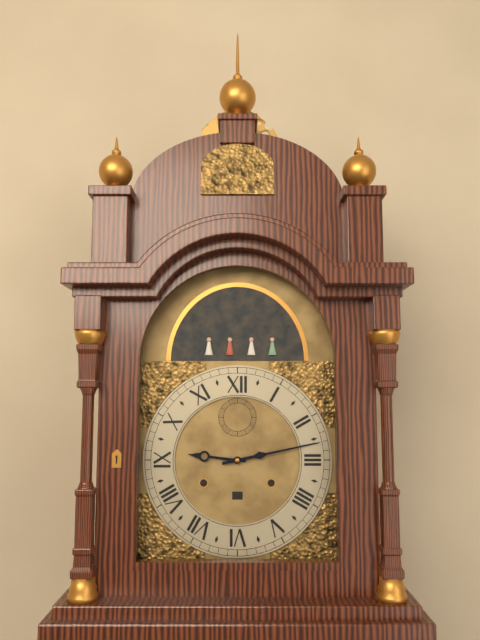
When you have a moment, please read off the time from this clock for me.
9:13
